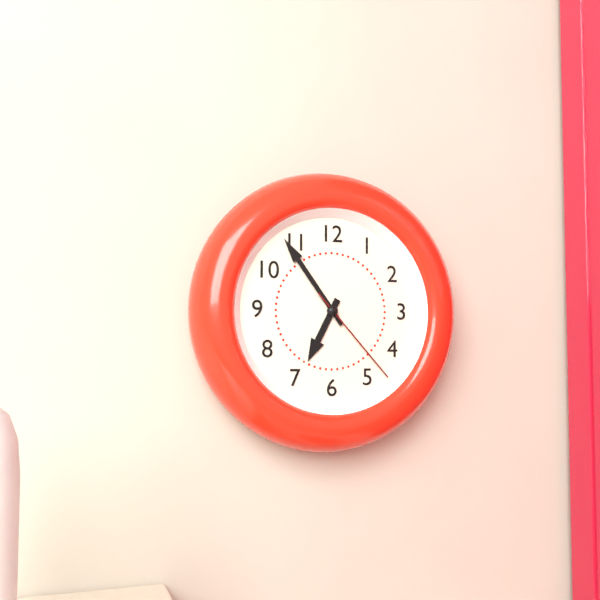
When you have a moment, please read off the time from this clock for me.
6:54:23
